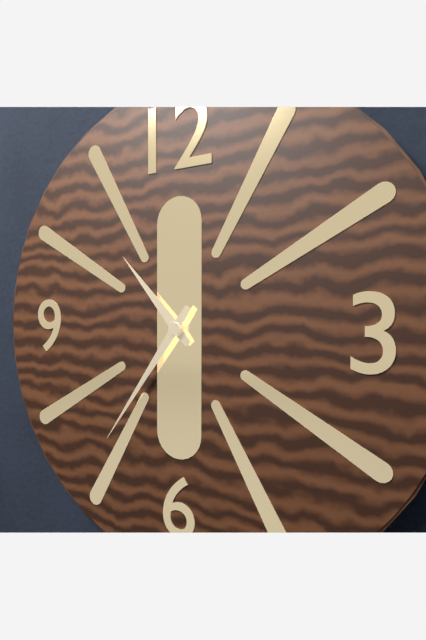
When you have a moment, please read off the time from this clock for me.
10:36
